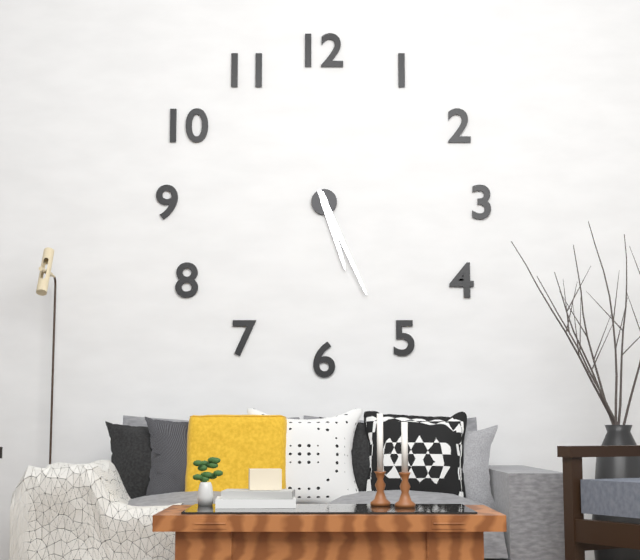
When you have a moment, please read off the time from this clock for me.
5:26
